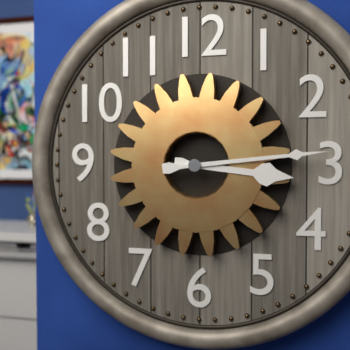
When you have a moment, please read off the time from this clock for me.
3:14
